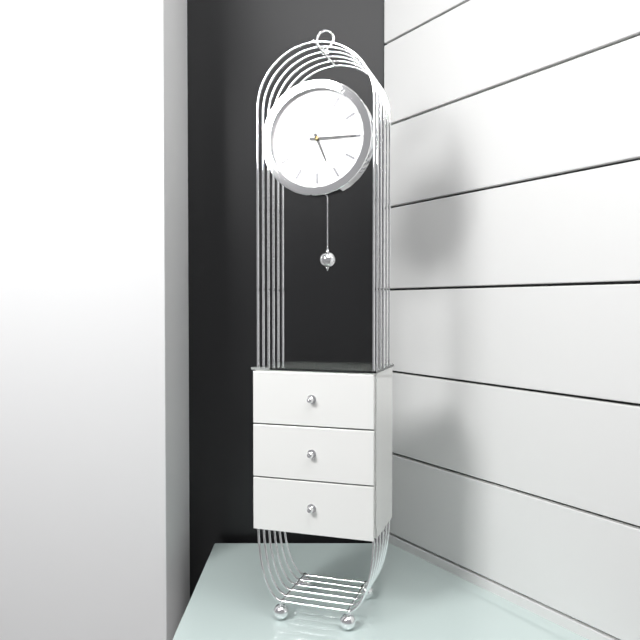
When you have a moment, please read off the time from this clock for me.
5:15
